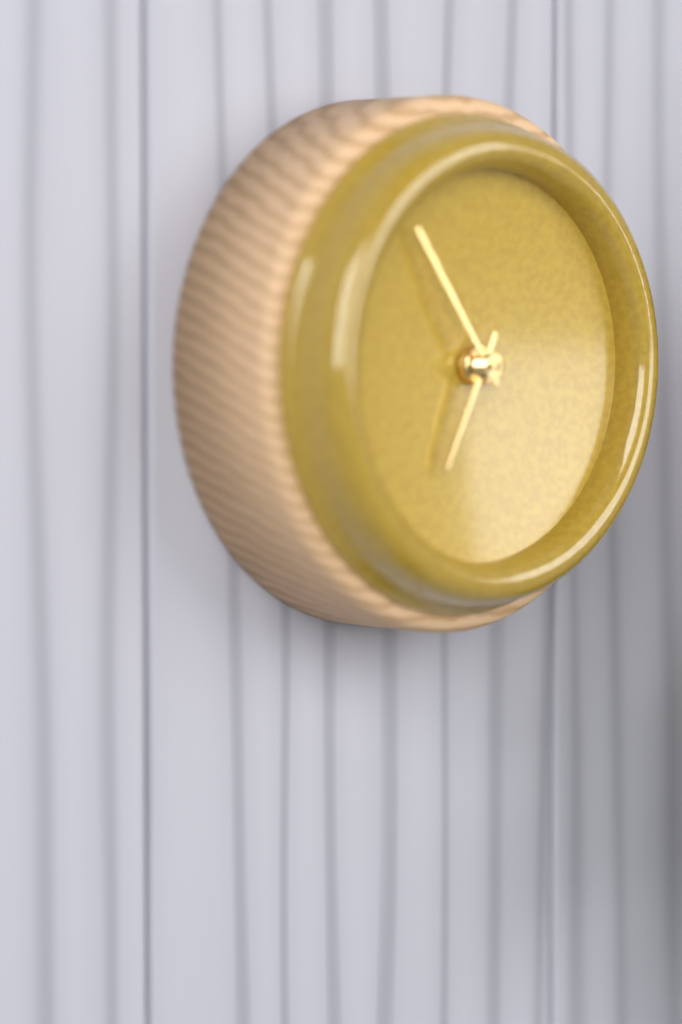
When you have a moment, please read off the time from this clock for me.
6:54
